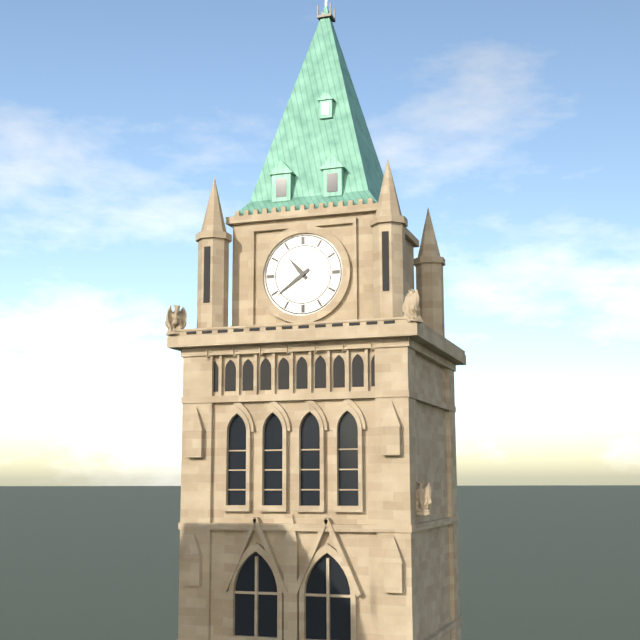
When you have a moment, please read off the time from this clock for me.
10:39
